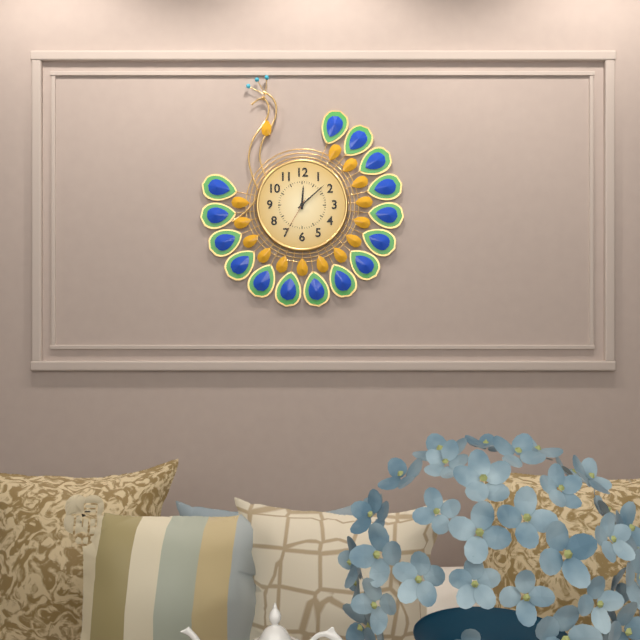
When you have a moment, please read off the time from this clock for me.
12:08
